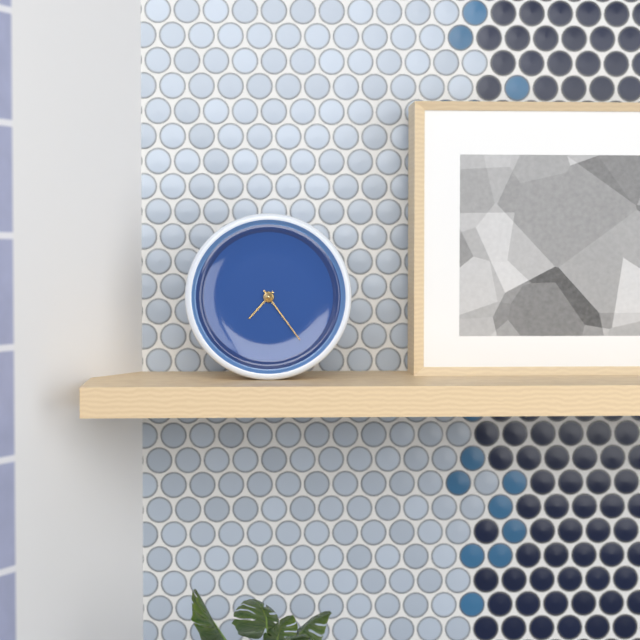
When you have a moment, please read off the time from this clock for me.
7:24
